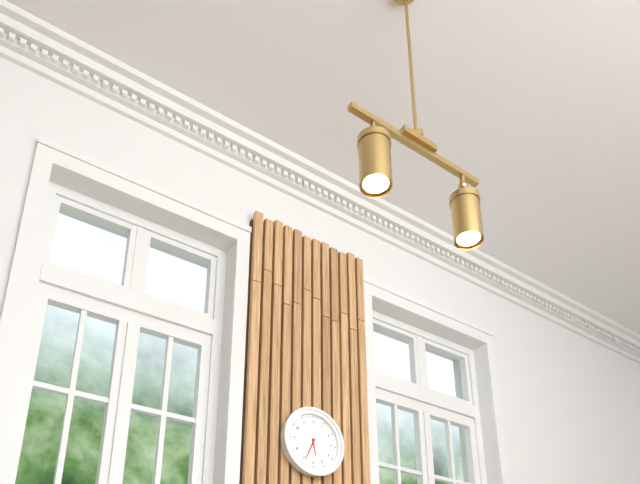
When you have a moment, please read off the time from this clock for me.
5:34
